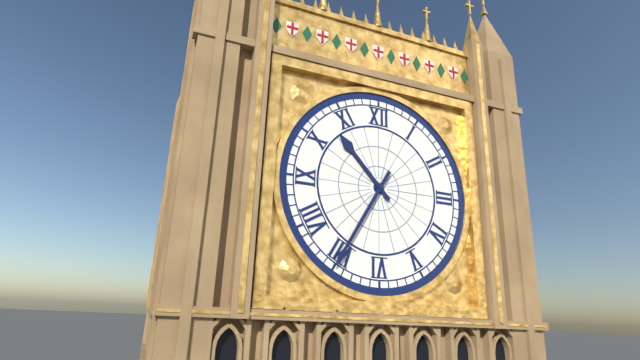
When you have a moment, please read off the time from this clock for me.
10:35
